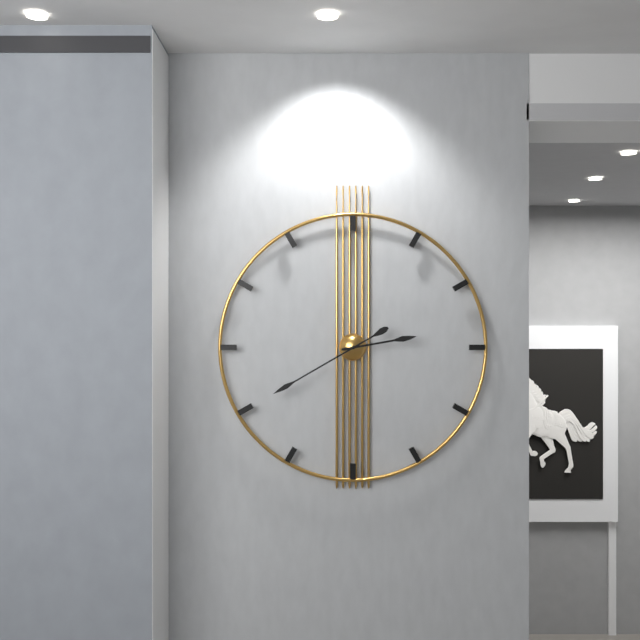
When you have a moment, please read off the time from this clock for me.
2:40
